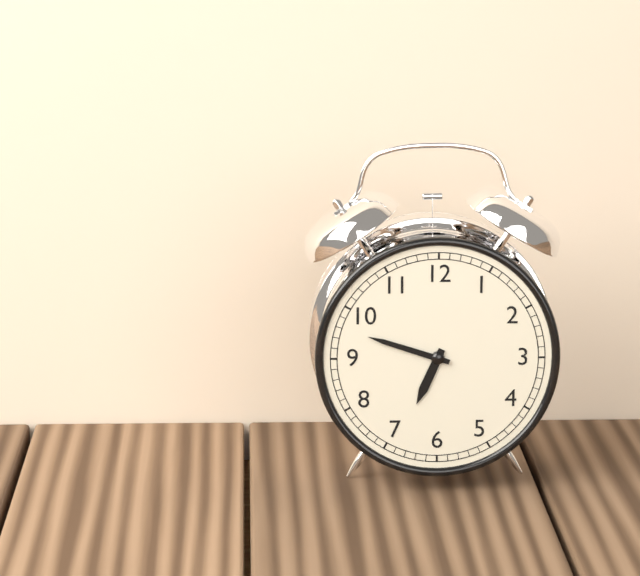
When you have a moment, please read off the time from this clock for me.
6:48
